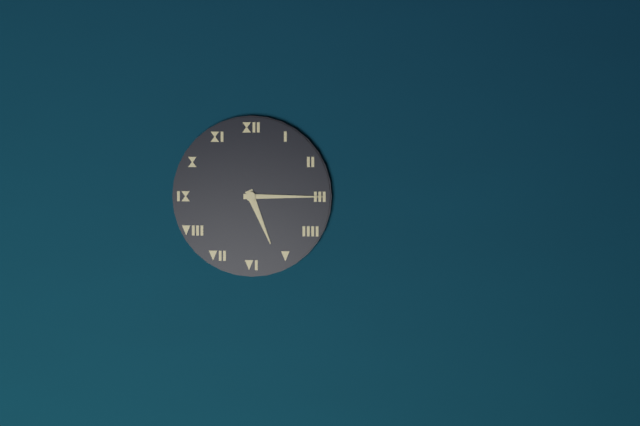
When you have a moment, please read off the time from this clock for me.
5:15
